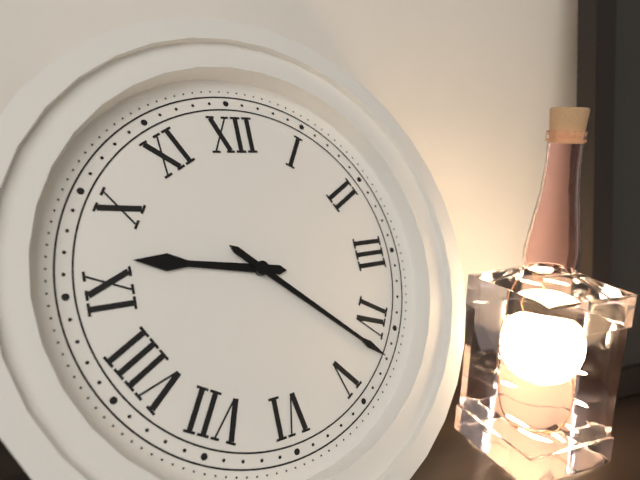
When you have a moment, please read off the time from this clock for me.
9:22
